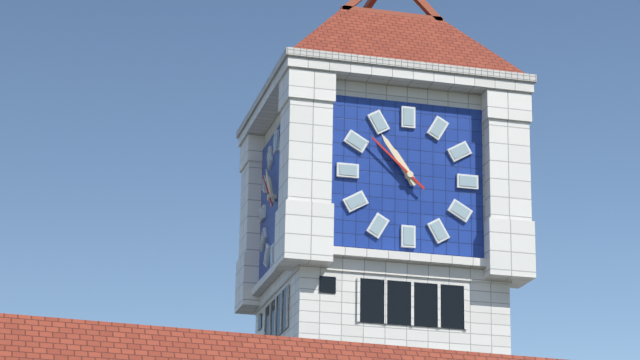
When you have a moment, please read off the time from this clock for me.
10:54:52
